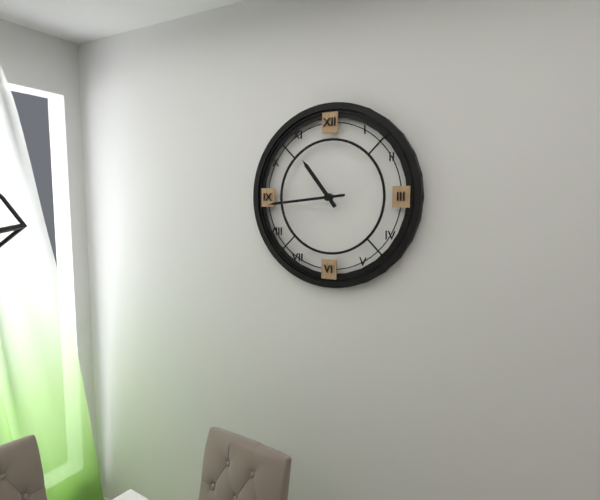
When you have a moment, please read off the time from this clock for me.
10:44
